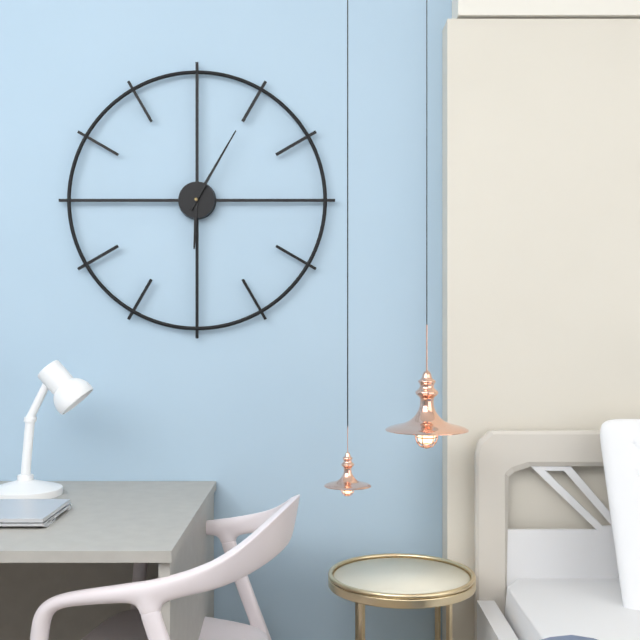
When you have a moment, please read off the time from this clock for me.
6:05
